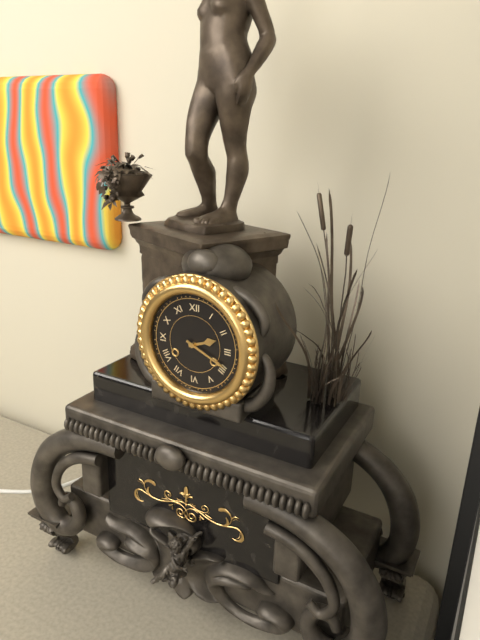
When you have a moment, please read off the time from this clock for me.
2:19
